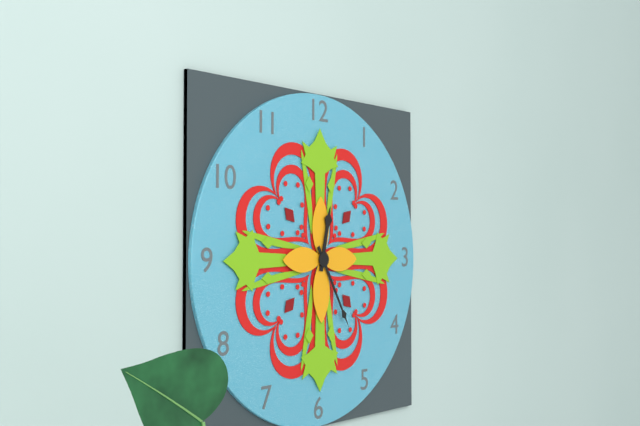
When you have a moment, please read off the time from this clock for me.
12:25
